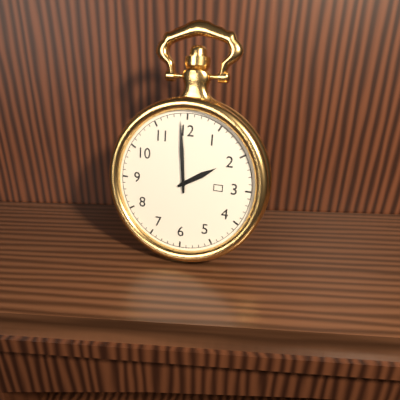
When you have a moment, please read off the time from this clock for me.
1:59
